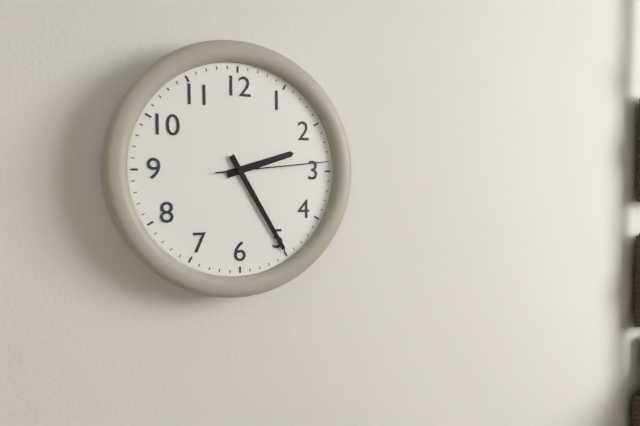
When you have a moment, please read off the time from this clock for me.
2:25:14
